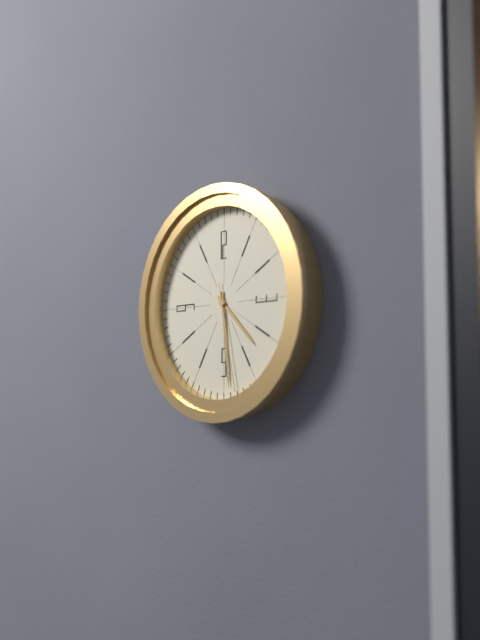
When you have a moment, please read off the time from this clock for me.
4:29:28
